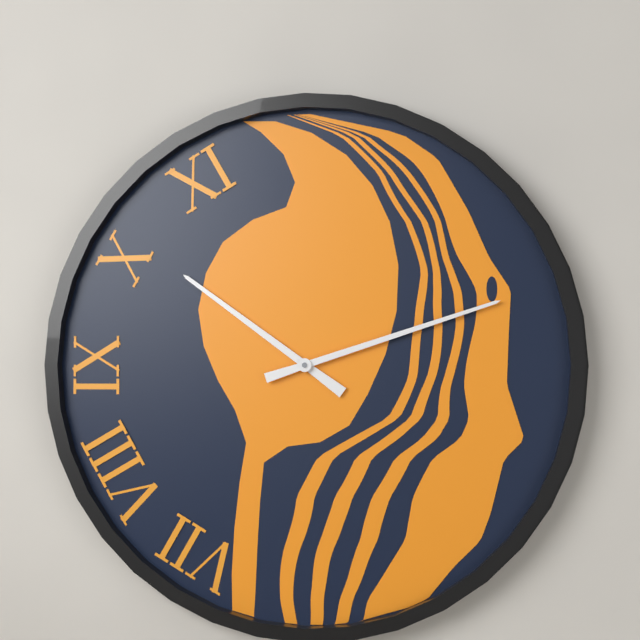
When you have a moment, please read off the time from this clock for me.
10:12
